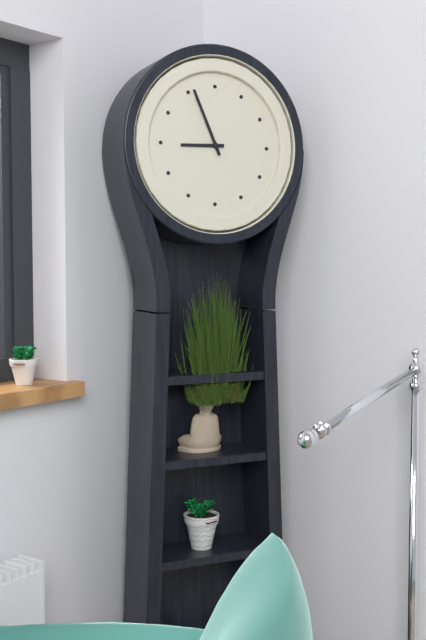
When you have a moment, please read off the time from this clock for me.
8:56
